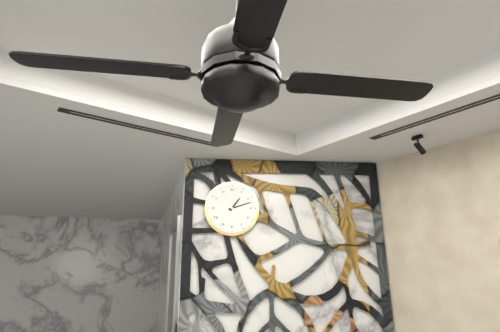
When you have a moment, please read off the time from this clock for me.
1:12
